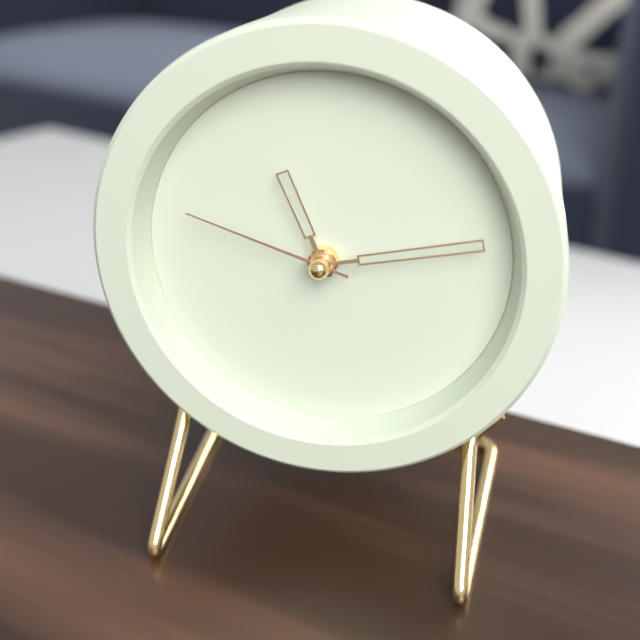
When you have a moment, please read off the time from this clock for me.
11:13:48
